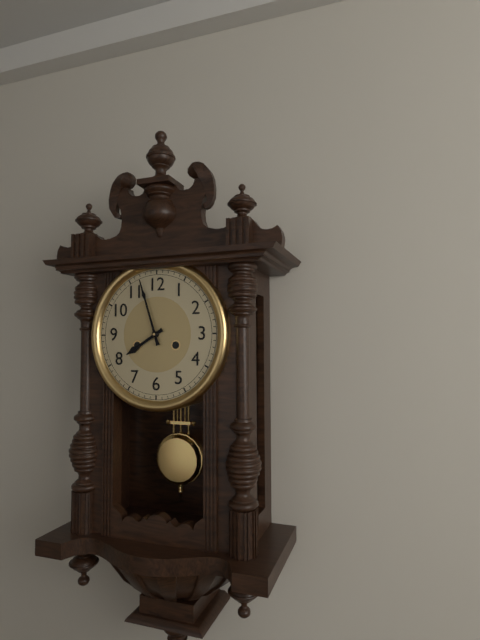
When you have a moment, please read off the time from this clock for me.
7:57
